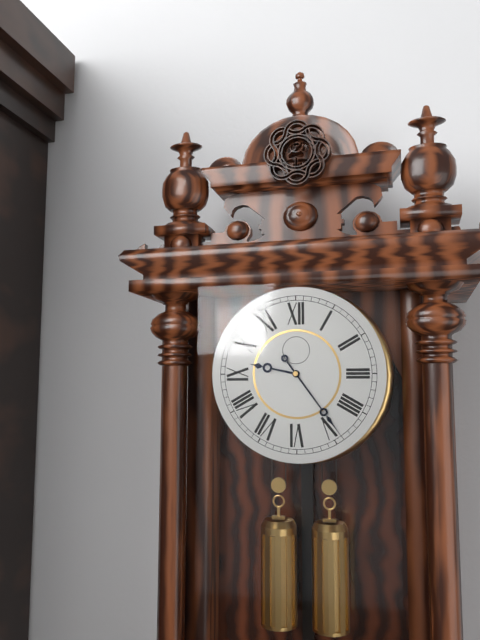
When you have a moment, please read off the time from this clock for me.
9:24
